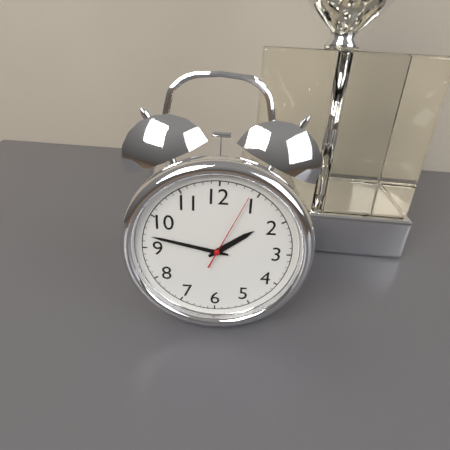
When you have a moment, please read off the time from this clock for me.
1:47:04
